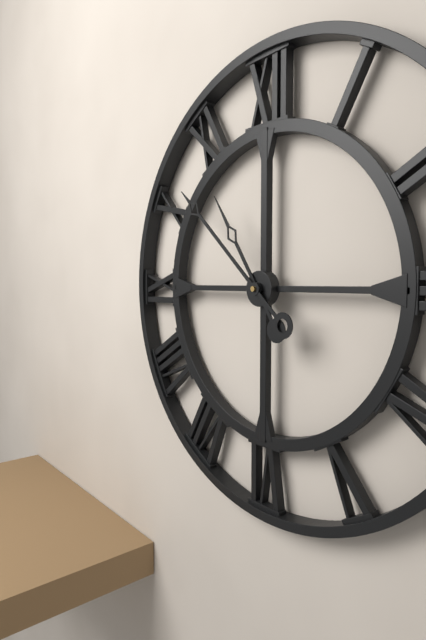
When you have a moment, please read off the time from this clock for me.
10:52
